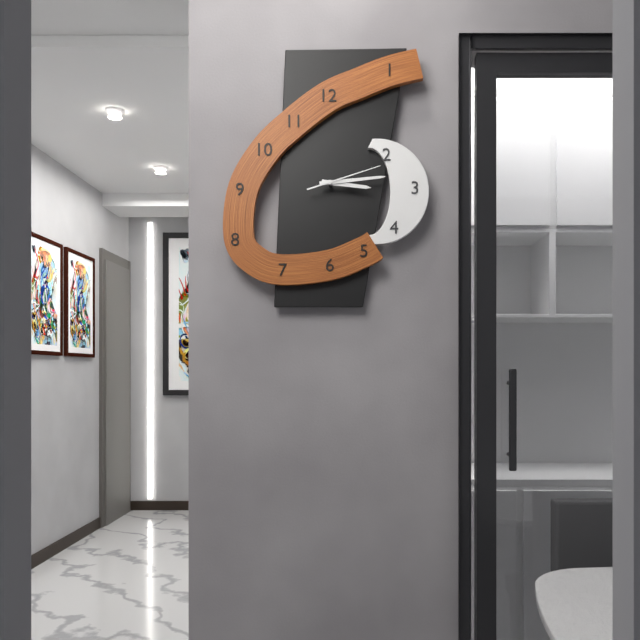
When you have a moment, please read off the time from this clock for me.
3:14:12
